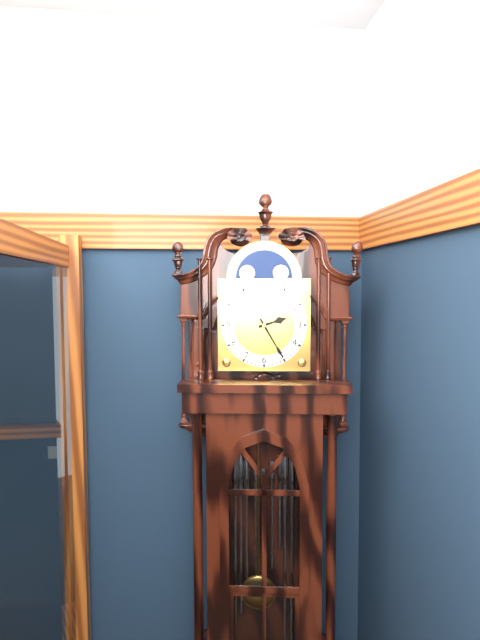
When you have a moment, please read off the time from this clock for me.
2:25
